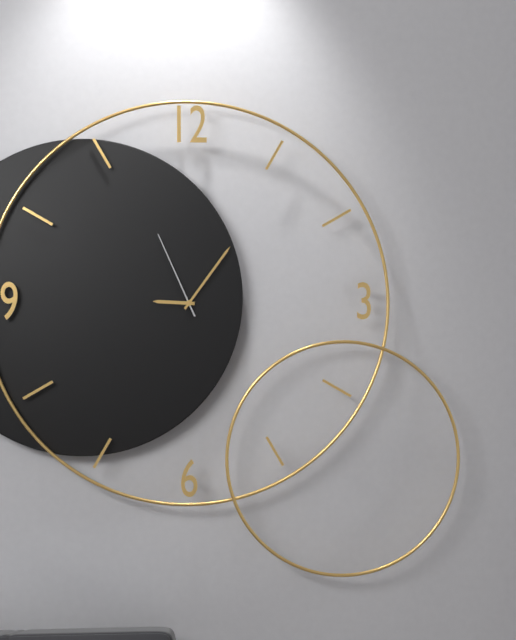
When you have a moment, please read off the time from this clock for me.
9:06:56
